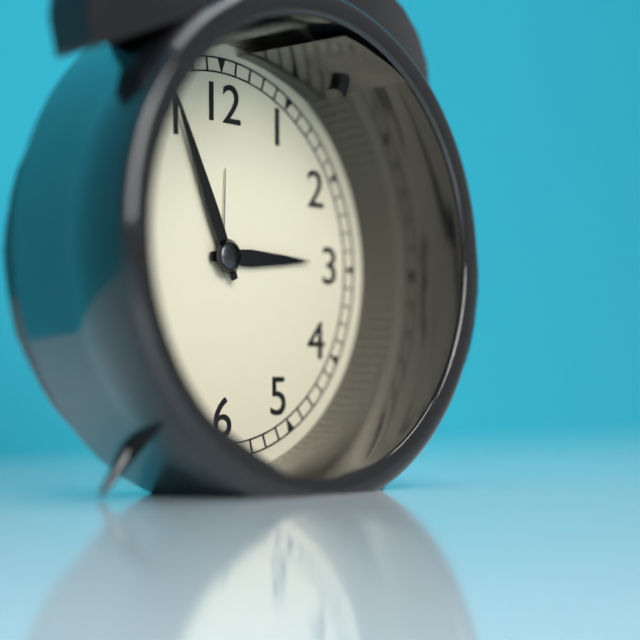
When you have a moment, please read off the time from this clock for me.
2:56
